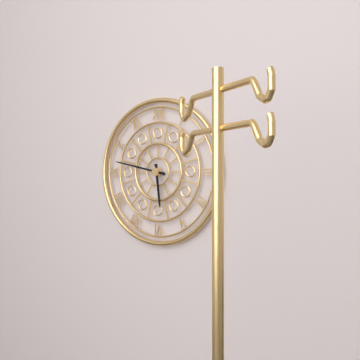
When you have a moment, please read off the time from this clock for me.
5:47
